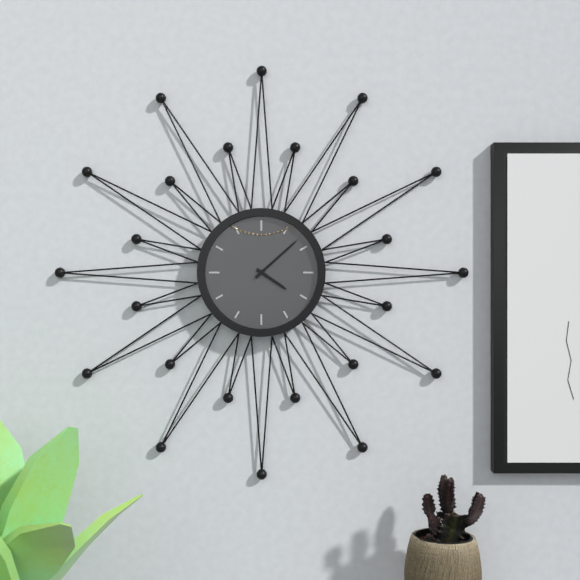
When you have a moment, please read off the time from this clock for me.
4:08
